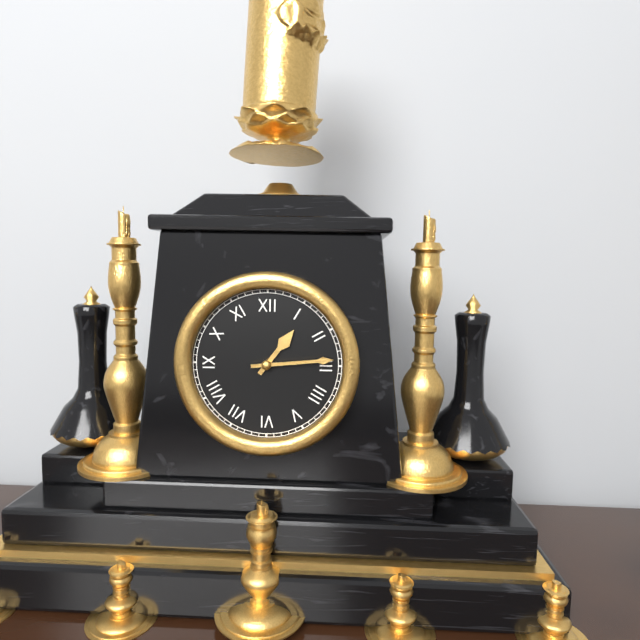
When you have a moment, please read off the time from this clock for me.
1:14
